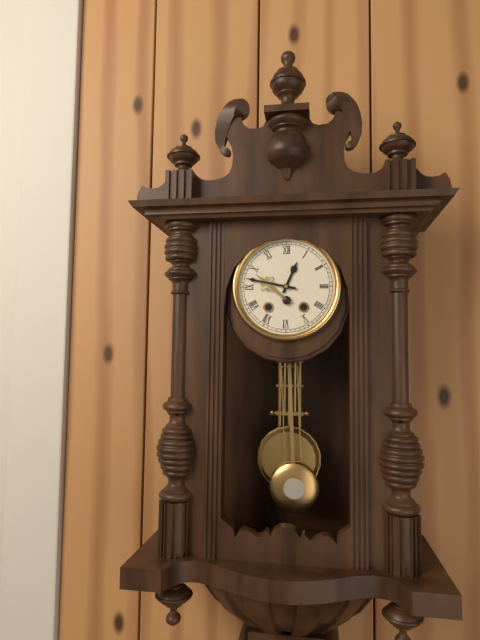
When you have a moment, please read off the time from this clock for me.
12:47
